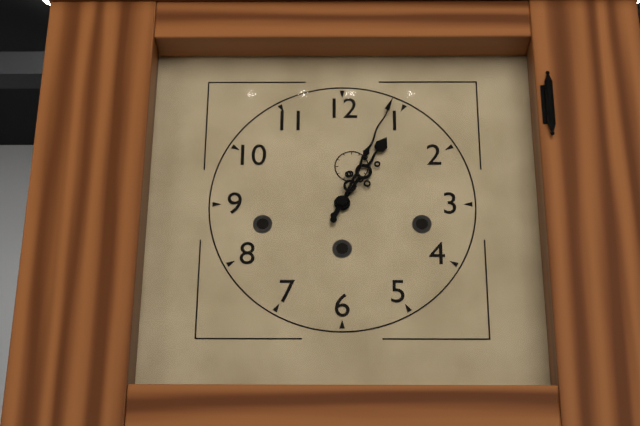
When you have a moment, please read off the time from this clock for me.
1:04
